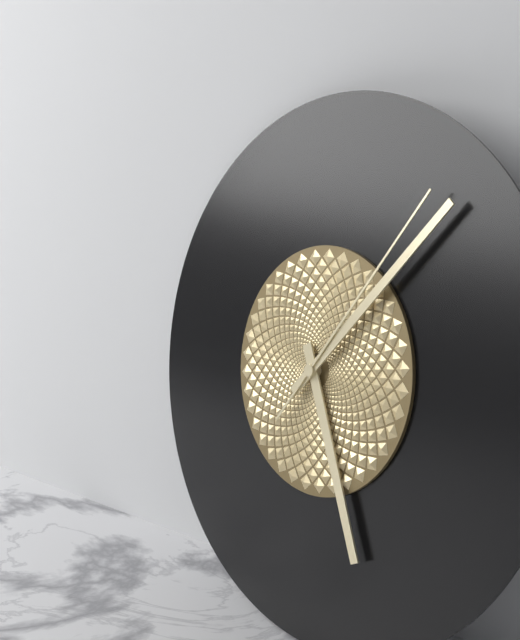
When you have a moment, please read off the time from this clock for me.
5:07:06
